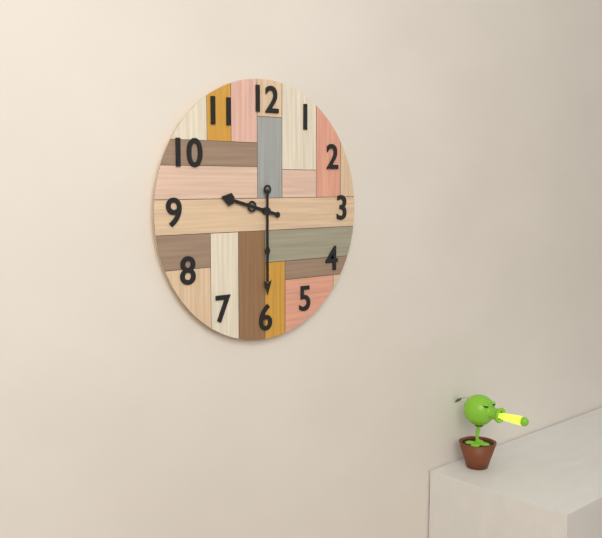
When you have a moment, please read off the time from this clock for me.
9:30
